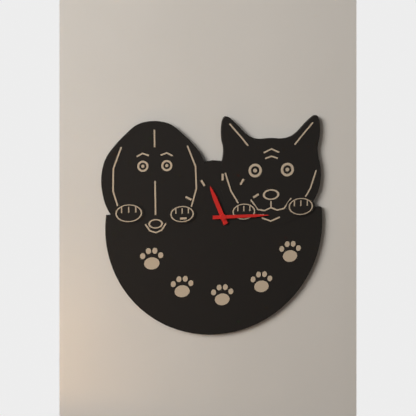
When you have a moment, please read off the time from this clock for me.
11:15
